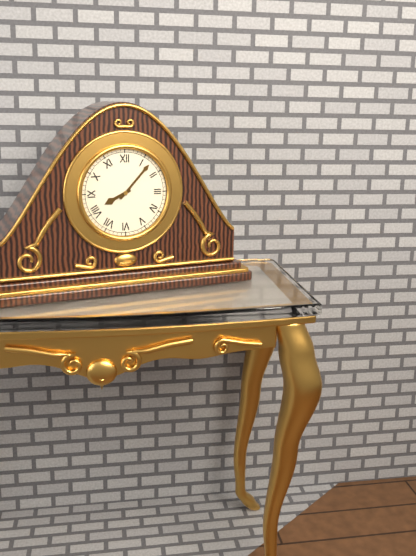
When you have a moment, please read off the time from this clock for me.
8:07
